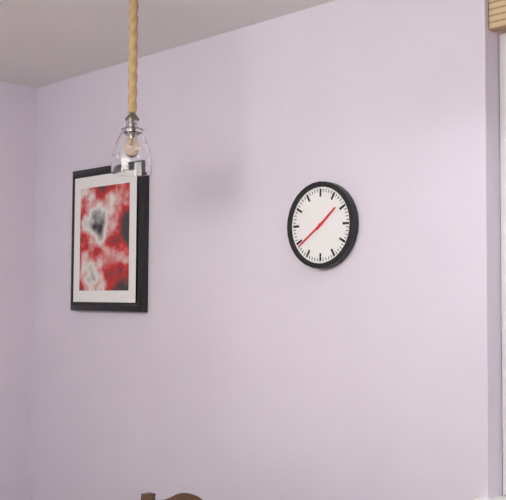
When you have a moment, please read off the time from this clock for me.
1:39
